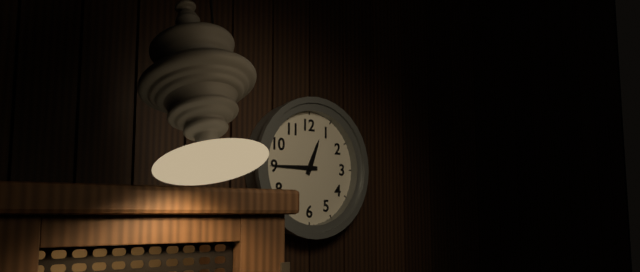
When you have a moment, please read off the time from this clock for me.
12:45
